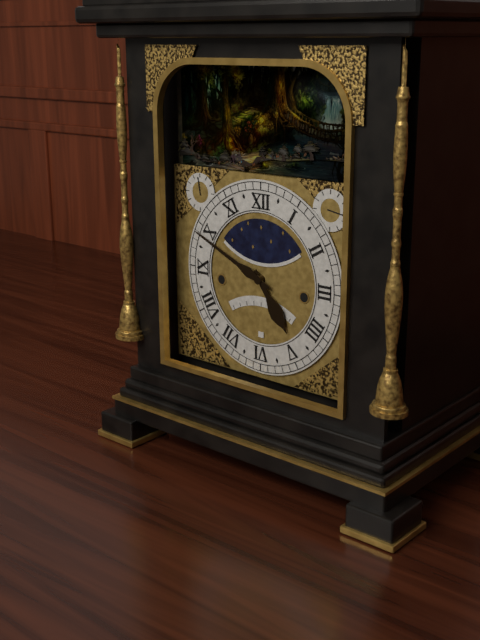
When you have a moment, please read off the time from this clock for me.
4:49
